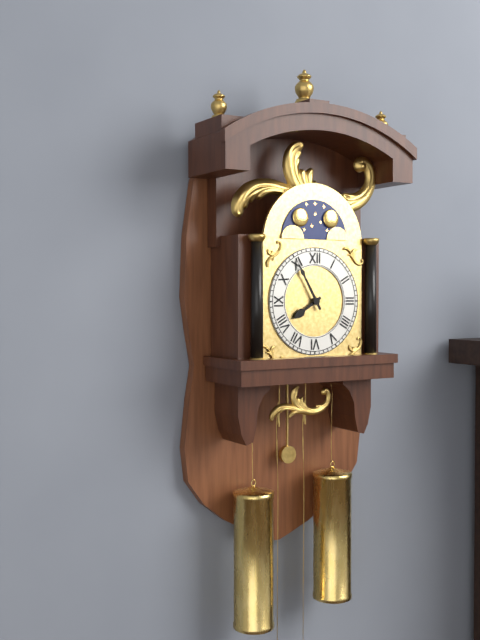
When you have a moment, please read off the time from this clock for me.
7:55
